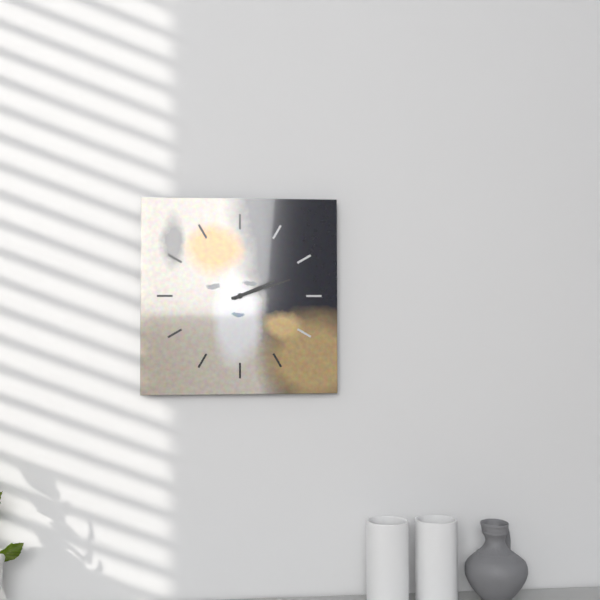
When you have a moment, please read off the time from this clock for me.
2:12
